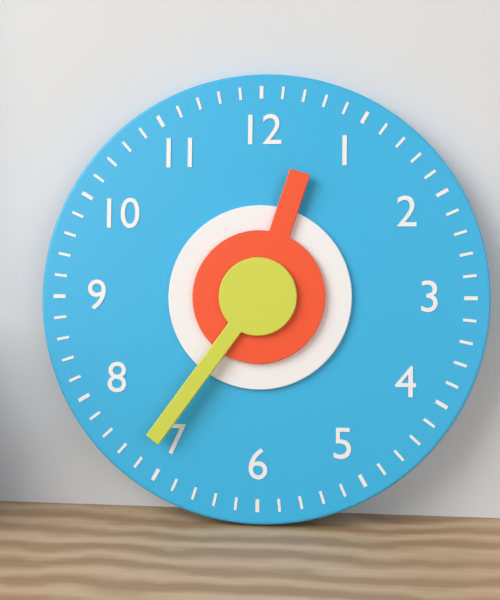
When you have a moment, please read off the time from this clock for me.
12:36
